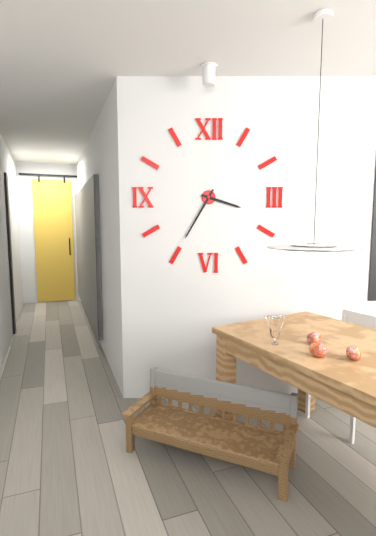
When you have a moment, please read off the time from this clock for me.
3:35
